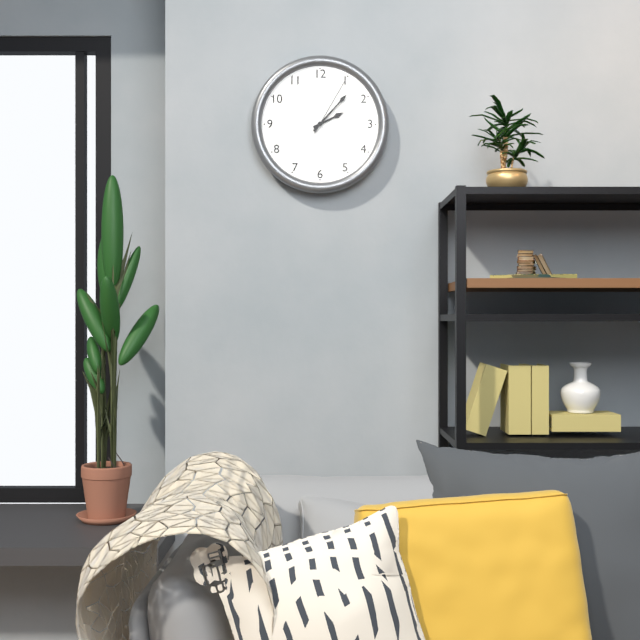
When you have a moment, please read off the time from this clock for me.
2:07:05
